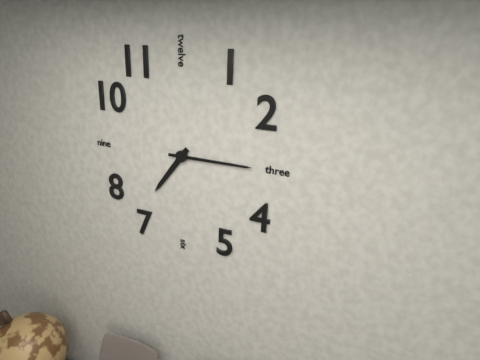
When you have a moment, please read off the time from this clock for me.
7:15
